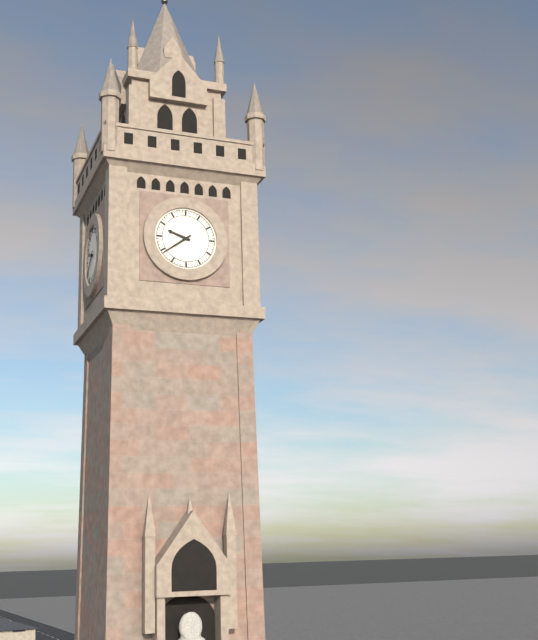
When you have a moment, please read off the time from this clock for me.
9:39
